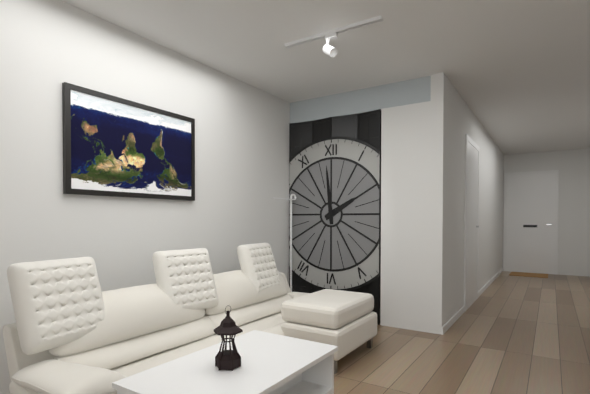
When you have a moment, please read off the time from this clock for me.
1:59
